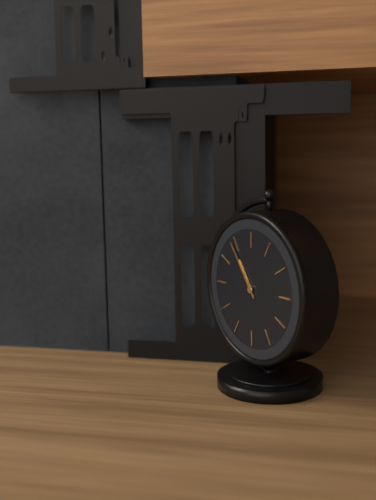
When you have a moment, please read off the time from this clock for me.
10:54
